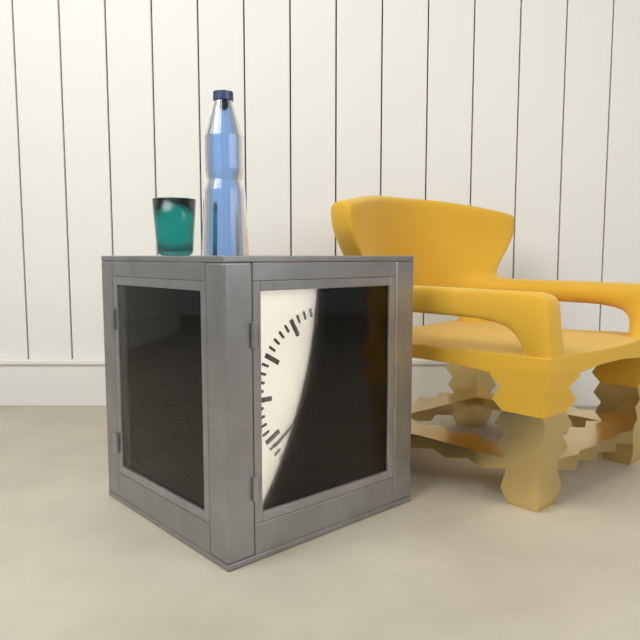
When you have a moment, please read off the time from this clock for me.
2:39
